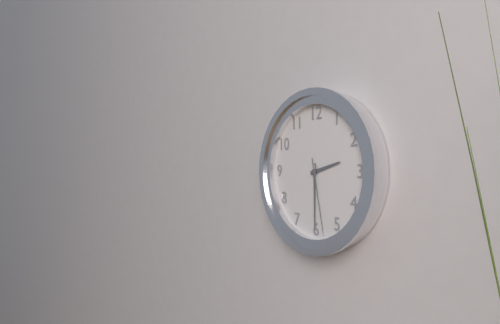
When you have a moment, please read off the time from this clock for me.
2:30:28
